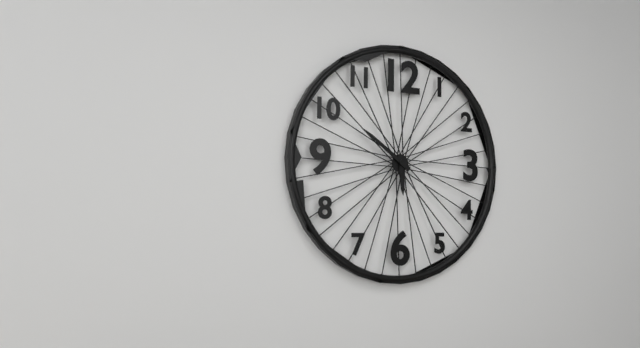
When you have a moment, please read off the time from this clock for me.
5:51
